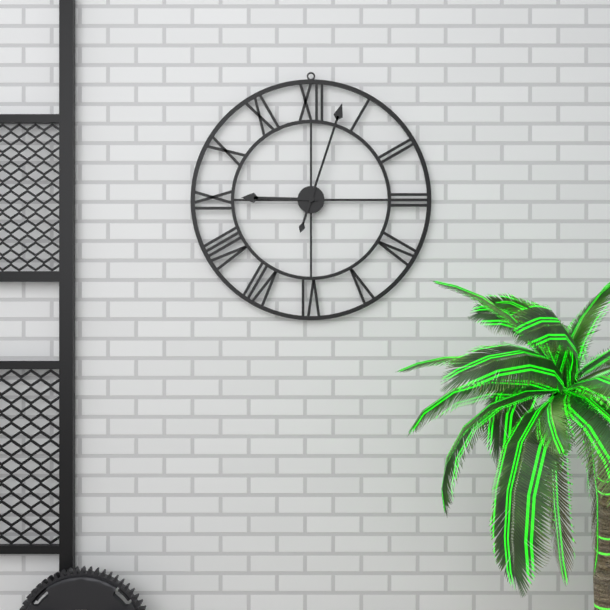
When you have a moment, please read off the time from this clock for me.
9:03
